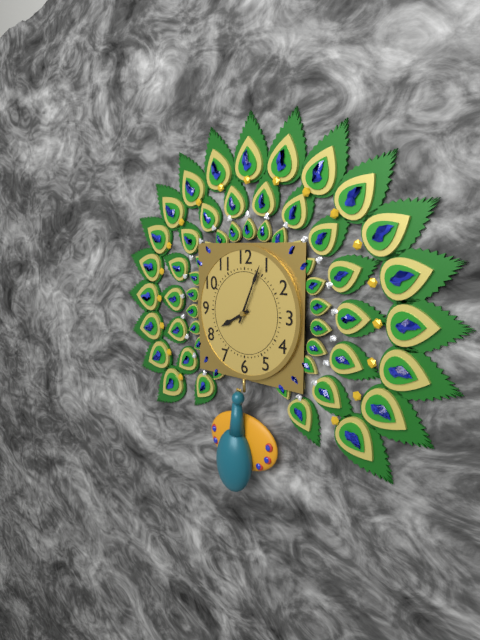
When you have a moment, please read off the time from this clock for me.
8:04
